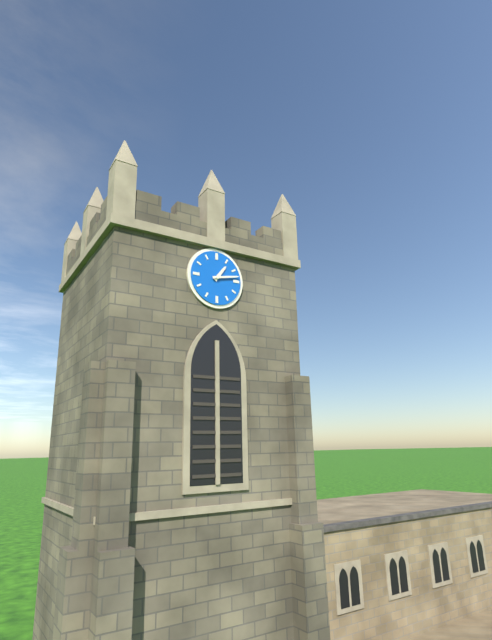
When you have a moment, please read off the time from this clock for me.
1:13
